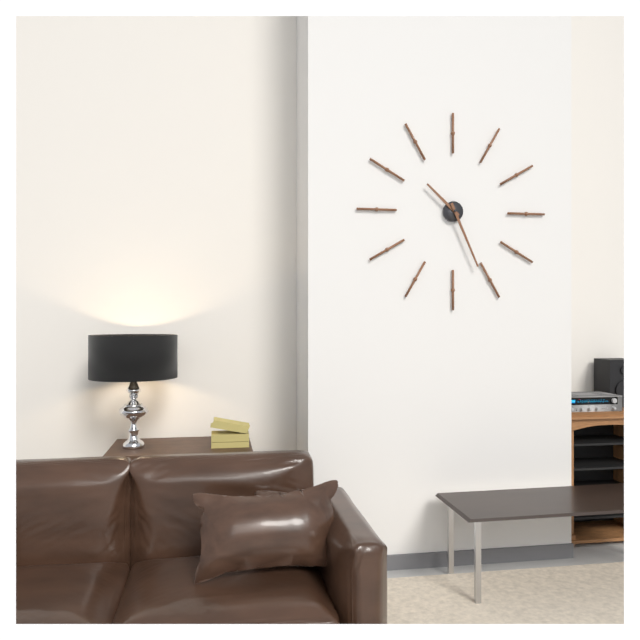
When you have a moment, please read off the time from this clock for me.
10:26
